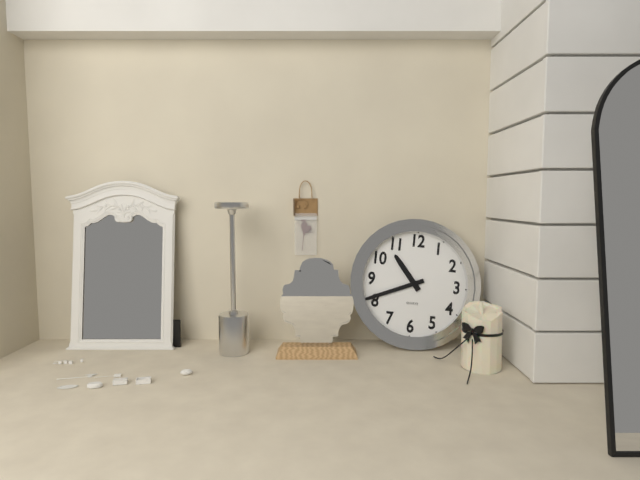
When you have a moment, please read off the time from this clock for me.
10:41
